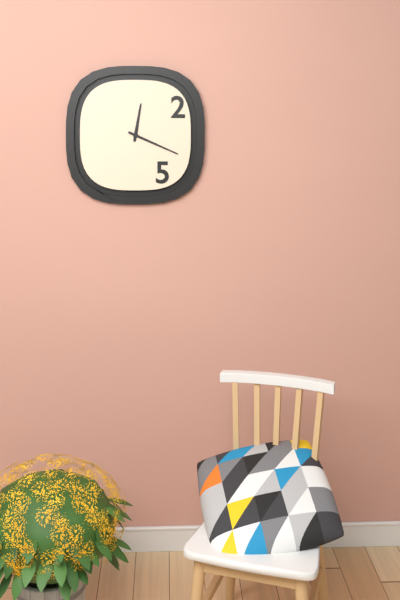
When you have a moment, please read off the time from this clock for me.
12:19
